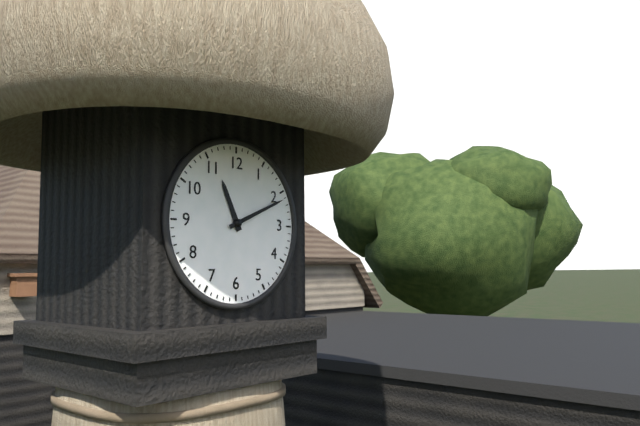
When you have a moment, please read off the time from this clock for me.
11:11
